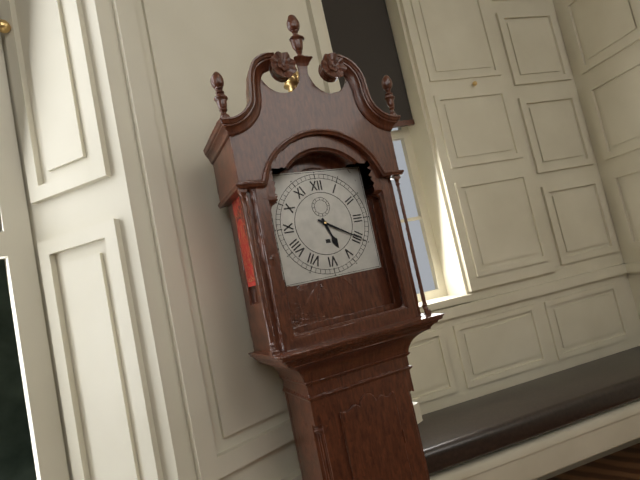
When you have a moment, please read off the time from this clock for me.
5:20
